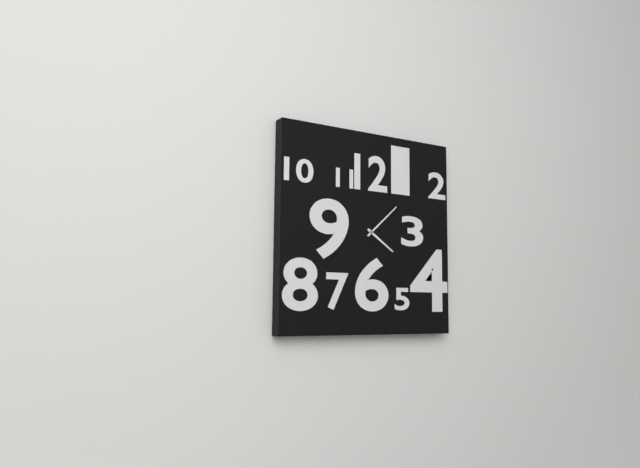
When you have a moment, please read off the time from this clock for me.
4:08
